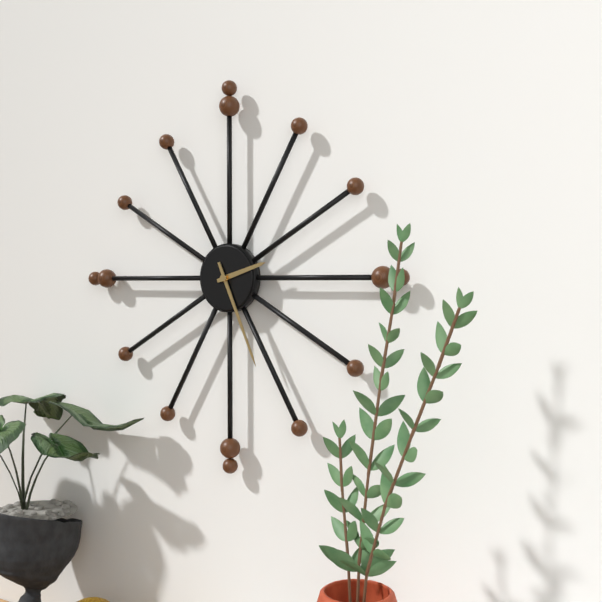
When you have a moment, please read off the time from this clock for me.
2:26
